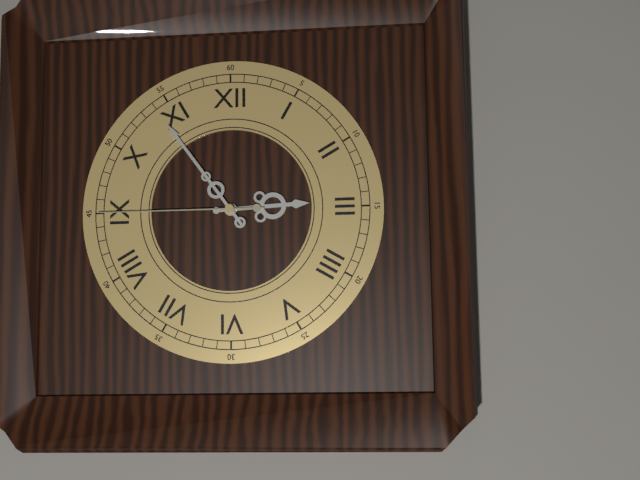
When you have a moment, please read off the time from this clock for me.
2:54:45
